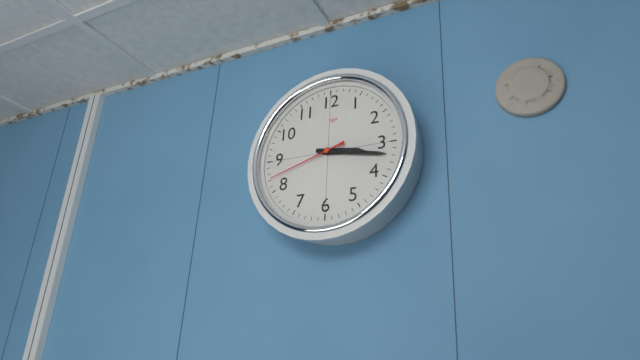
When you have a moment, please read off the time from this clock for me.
3:17:42
